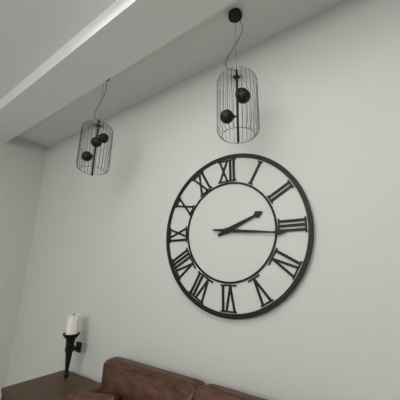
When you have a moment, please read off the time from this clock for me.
2:16
